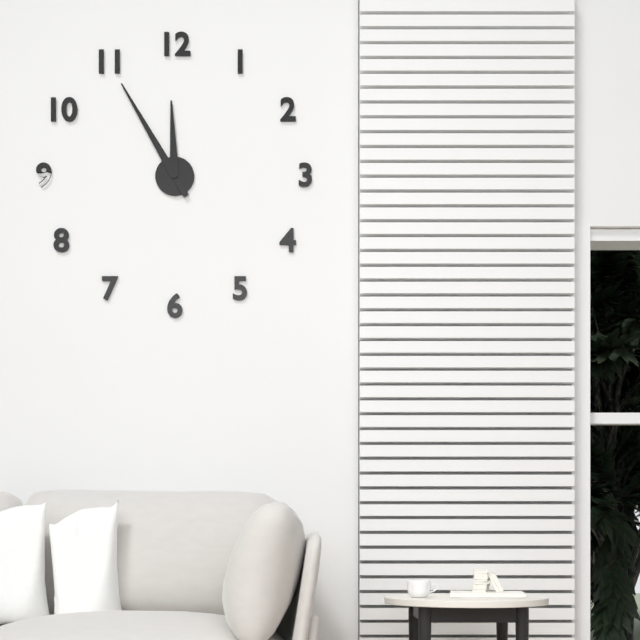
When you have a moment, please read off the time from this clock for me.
11:55
